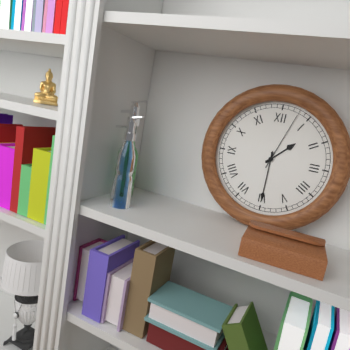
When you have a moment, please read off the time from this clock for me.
1:30:03
